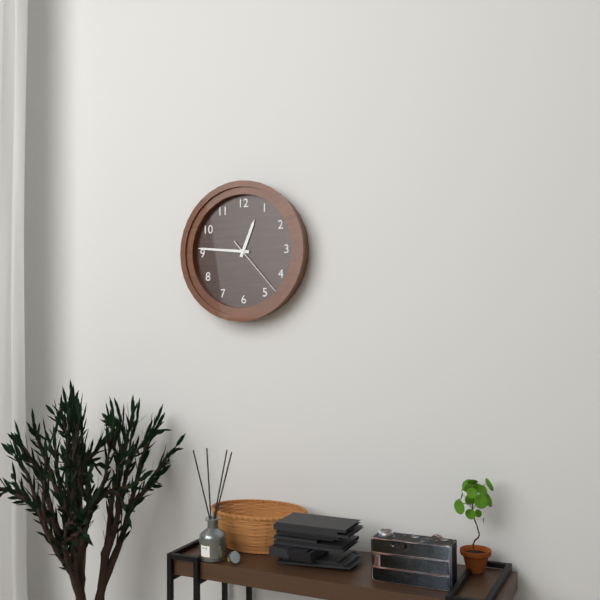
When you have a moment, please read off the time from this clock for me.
12:46:23
